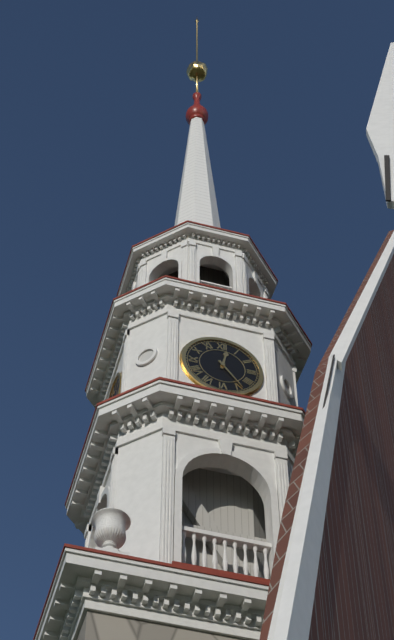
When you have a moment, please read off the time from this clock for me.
12:24
